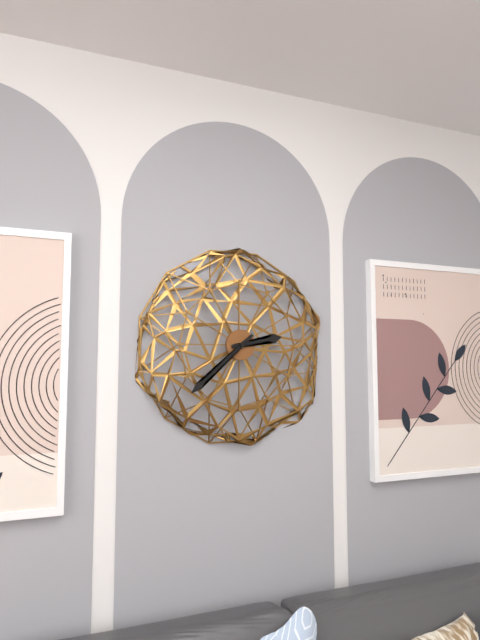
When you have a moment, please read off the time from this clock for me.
2:38
